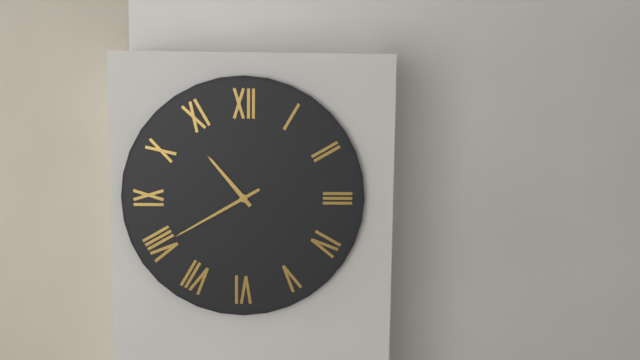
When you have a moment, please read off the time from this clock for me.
10:40
